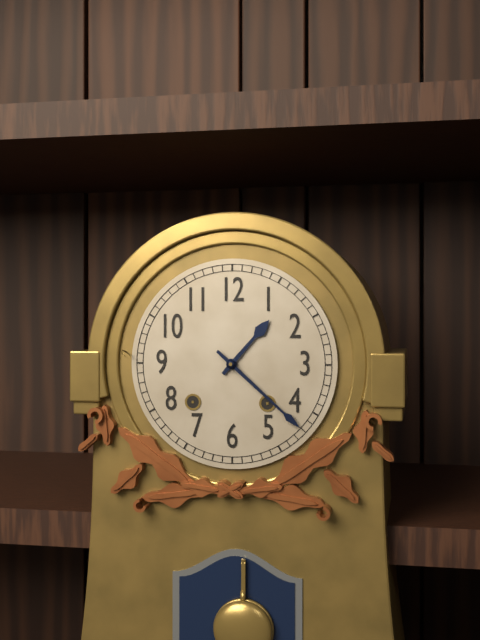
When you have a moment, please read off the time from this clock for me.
1:22
